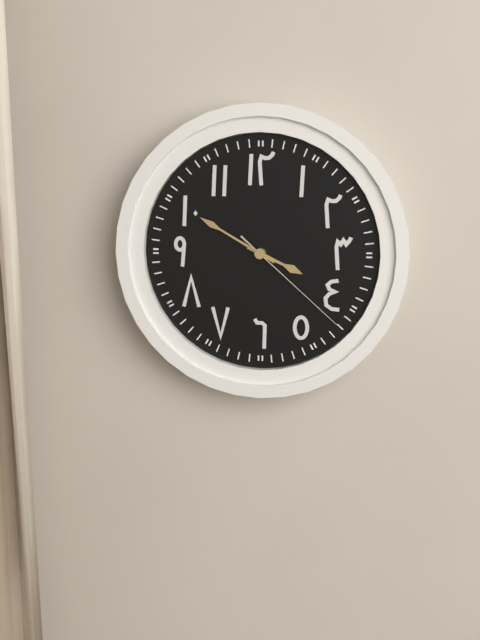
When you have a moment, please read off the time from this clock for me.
3:50:22
